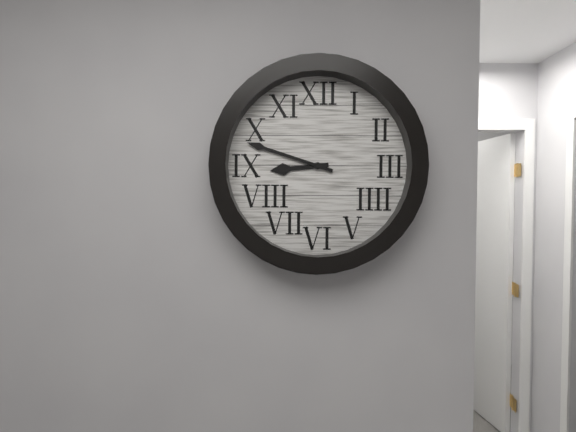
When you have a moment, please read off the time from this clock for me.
8:48
